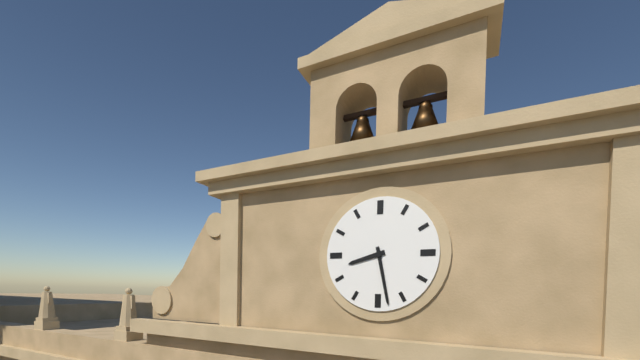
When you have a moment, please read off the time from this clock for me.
8:28
